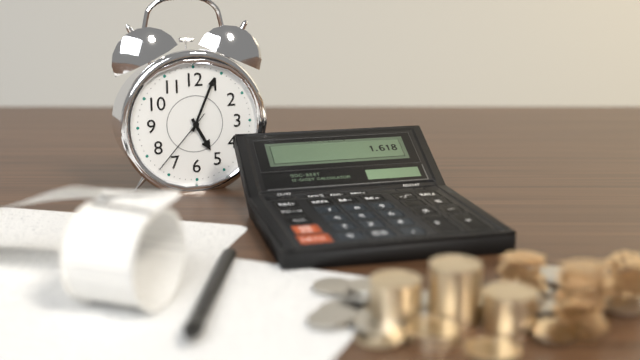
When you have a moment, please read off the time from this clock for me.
5:04:37
